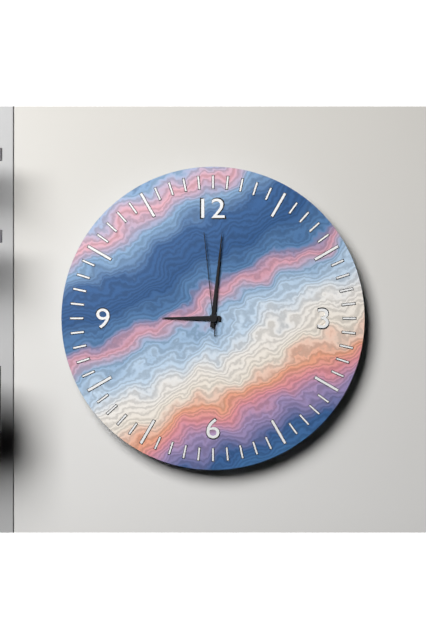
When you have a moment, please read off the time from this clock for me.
9:01:59
